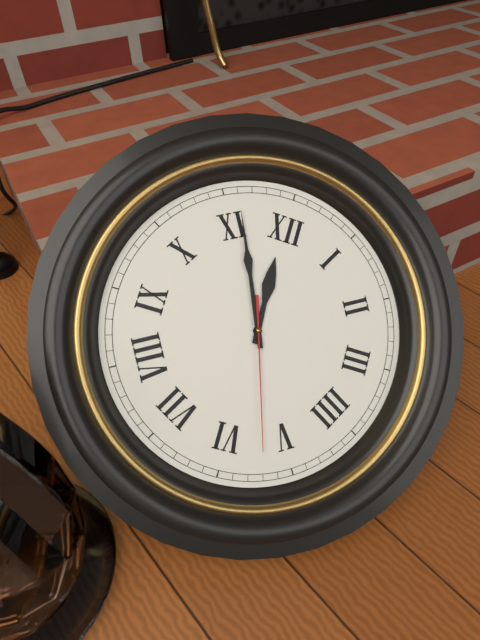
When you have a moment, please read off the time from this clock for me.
11:56:27
